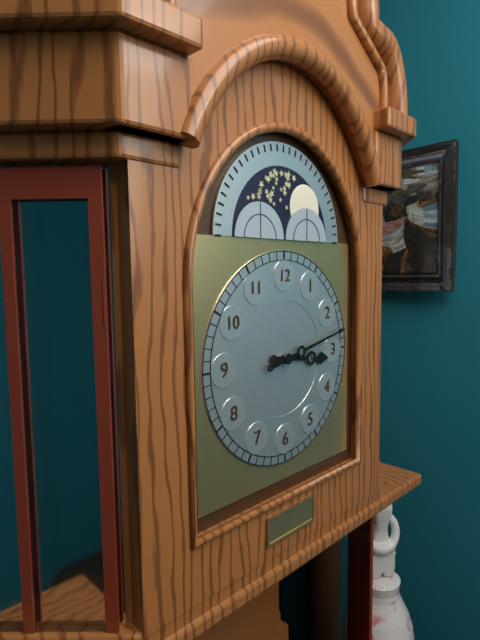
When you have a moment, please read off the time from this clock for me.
3:13
